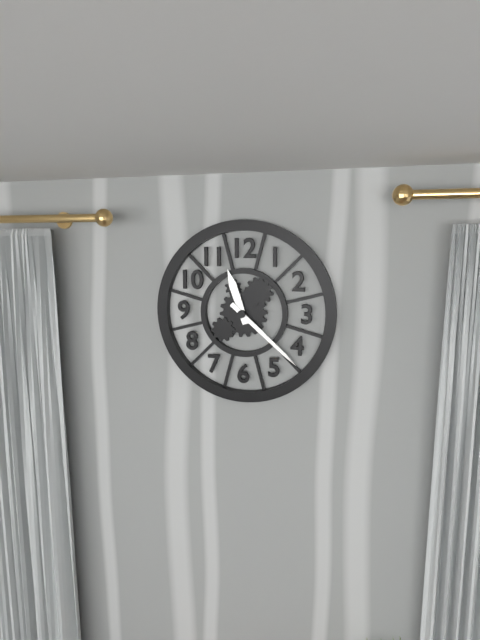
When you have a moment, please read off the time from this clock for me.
11:22
